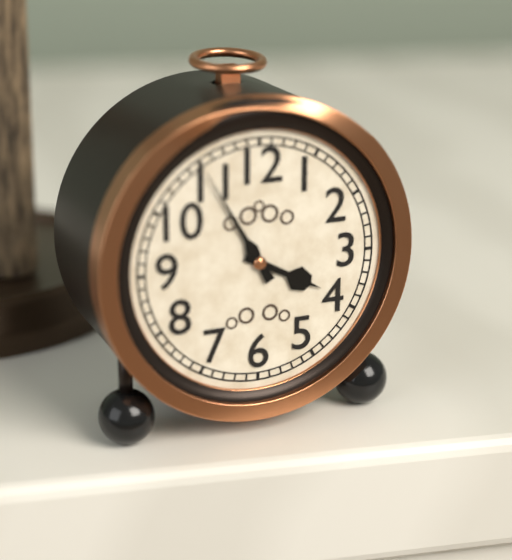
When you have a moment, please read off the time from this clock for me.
3:55
